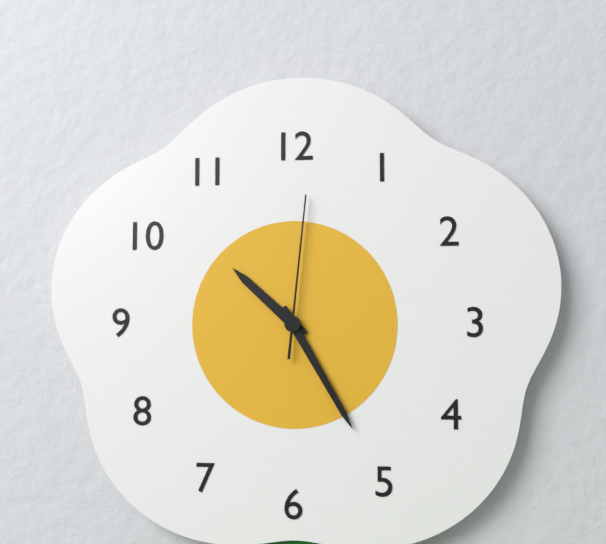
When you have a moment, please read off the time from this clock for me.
10:25:01
